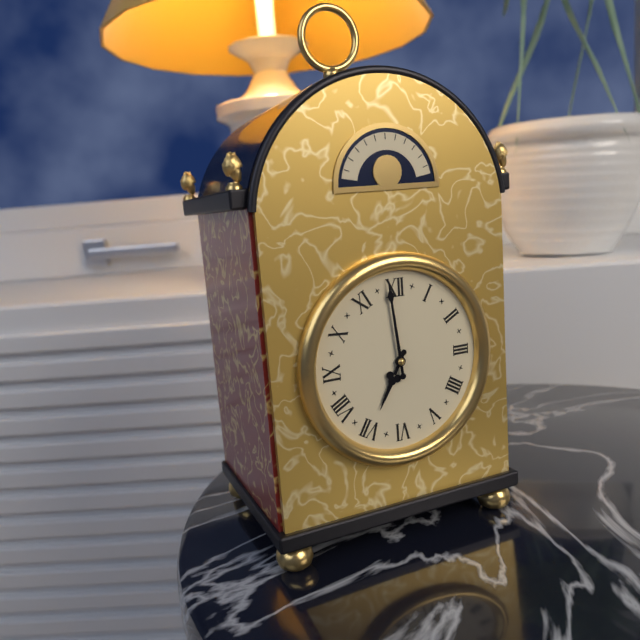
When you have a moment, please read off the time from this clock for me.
6:59
